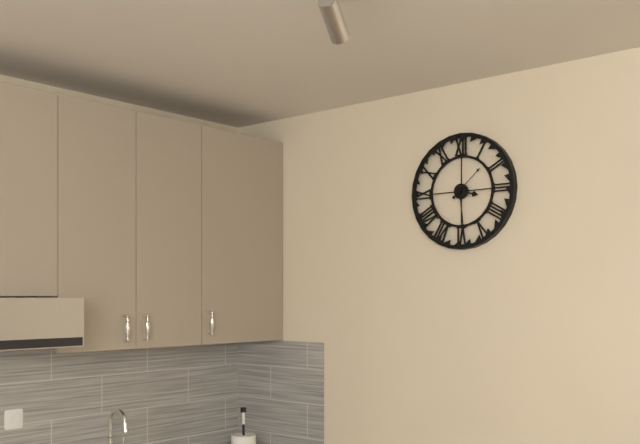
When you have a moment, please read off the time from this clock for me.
3:29
